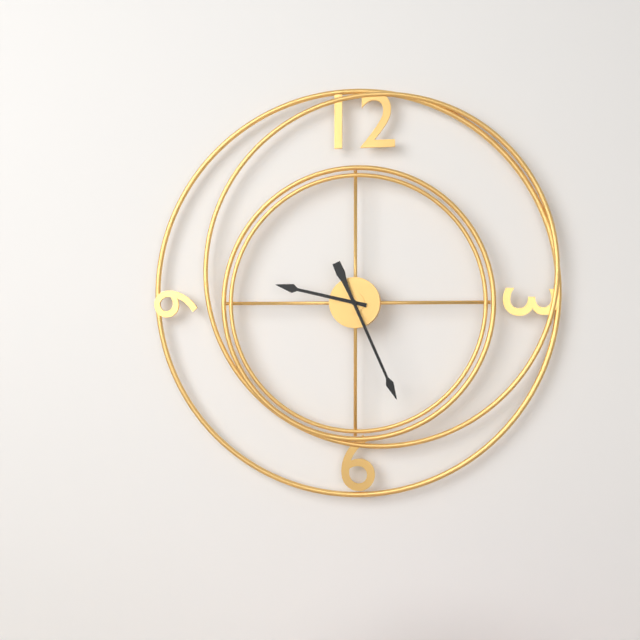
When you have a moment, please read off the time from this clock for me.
9:26
